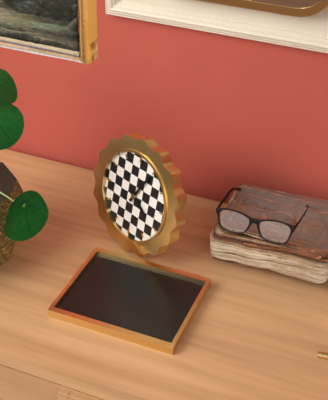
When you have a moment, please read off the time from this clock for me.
4:05
